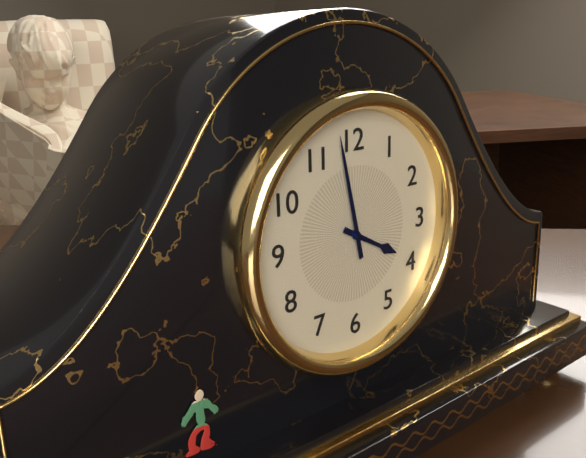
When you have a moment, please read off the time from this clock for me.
3:58
